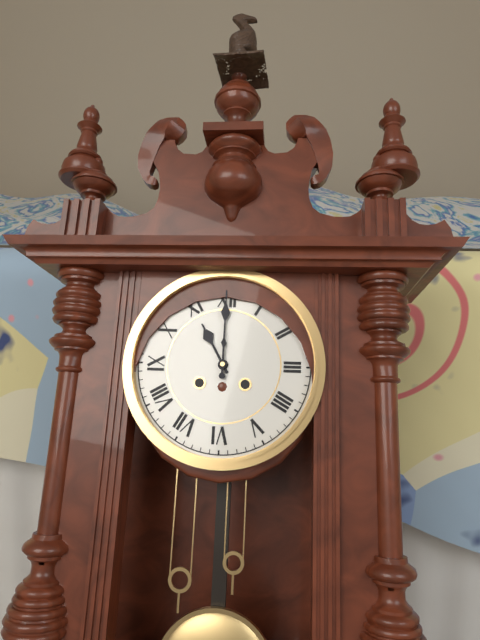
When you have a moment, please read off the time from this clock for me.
11:00
